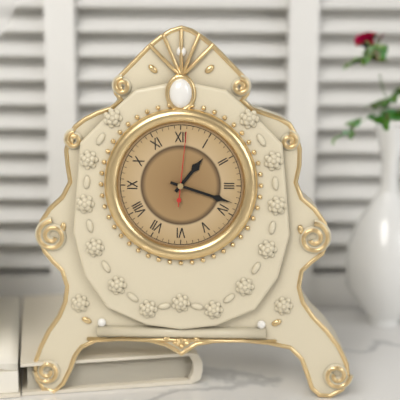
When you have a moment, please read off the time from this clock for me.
1:18:01
